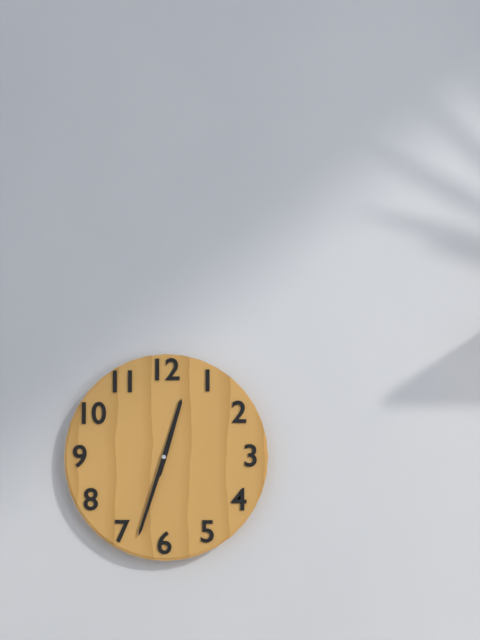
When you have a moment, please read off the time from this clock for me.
12:33
